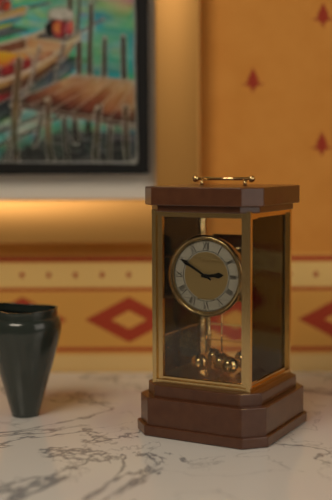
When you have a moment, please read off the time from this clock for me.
2:50
